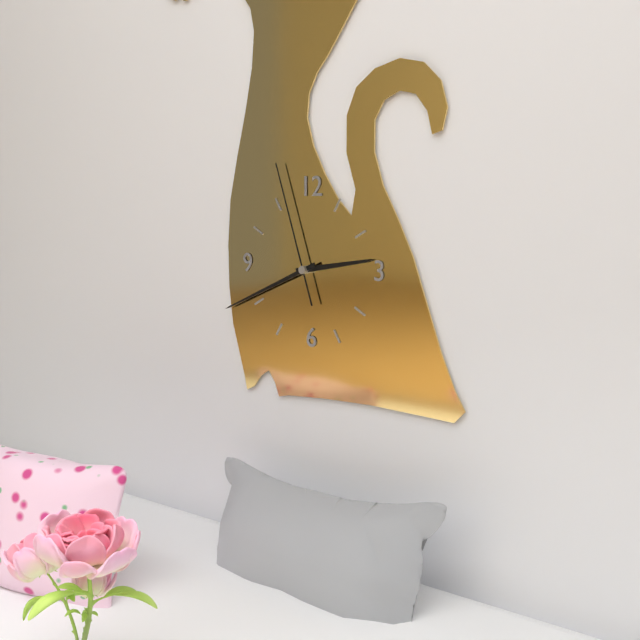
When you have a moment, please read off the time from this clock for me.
2:41:57
